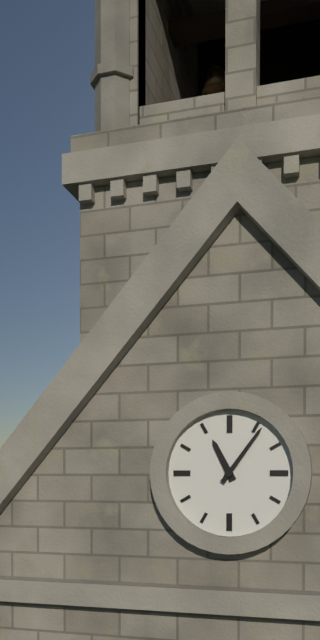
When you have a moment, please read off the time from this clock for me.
11:06
